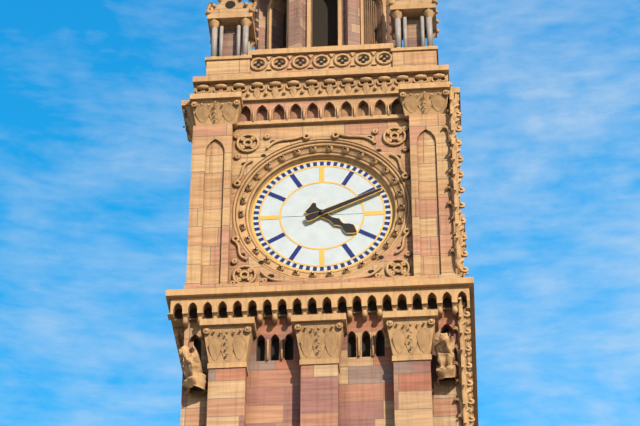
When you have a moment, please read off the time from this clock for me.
4:11
